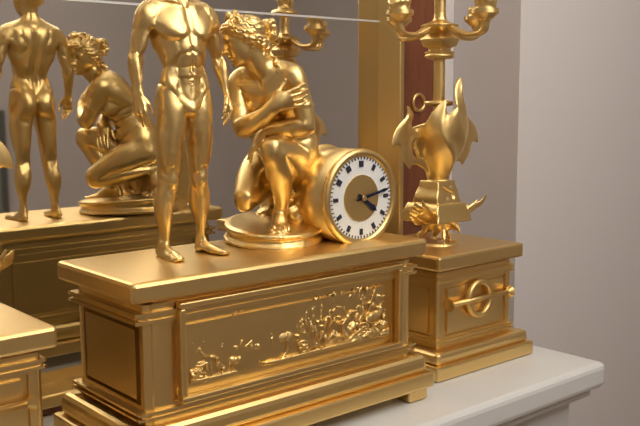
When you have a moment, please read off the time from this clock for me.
4:13
